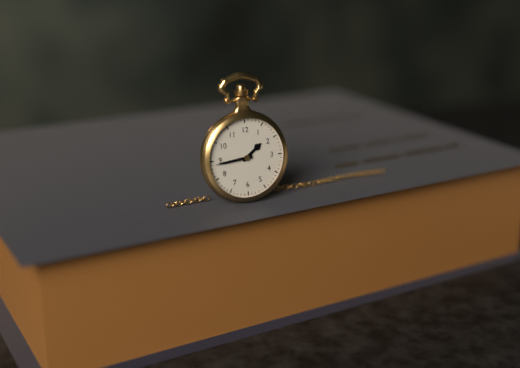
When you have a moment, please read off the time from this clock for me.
1:44
